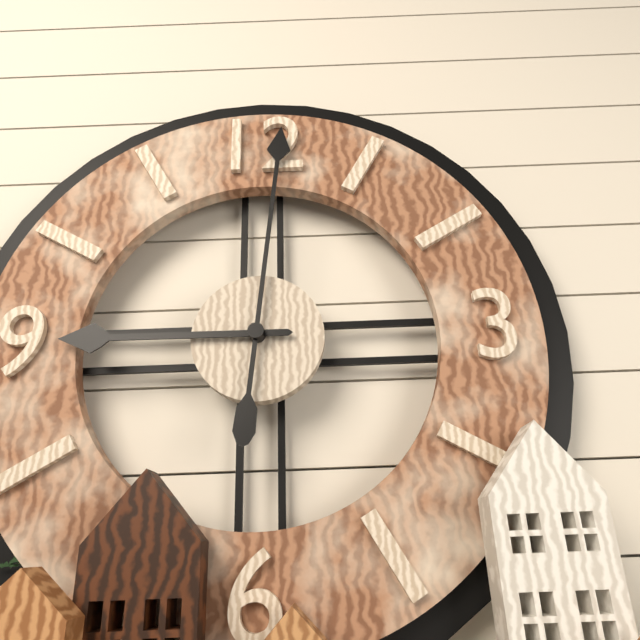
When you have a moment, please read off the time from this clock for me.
9:01
